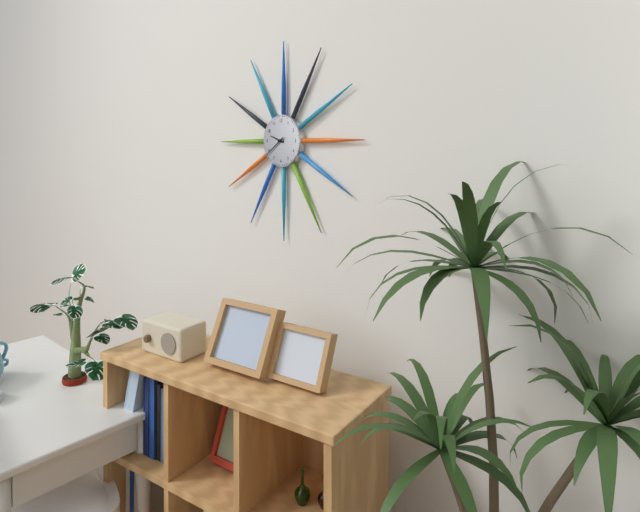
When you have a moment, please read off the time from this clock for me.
9:39
